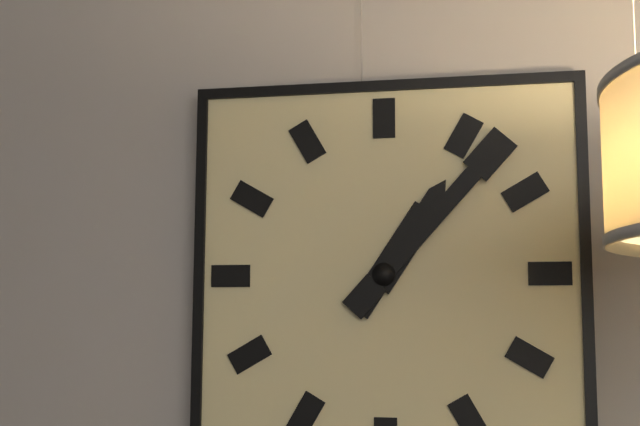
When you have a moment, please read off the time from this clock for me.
1:07
